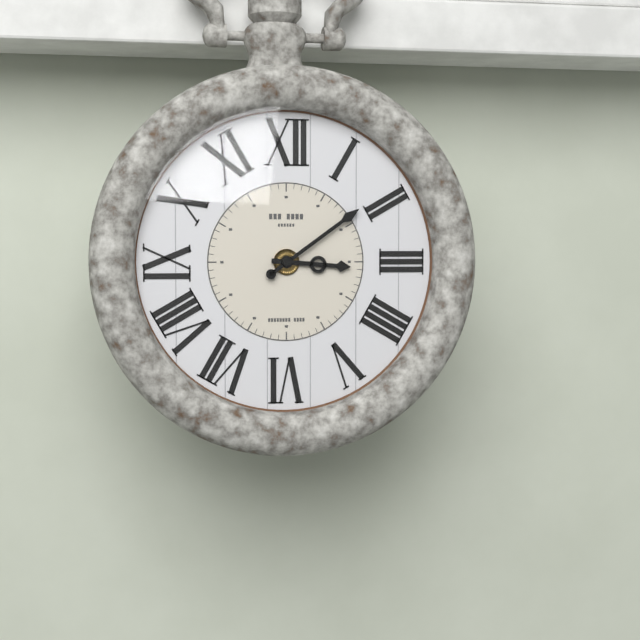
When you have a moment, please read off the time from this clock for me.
3:09
